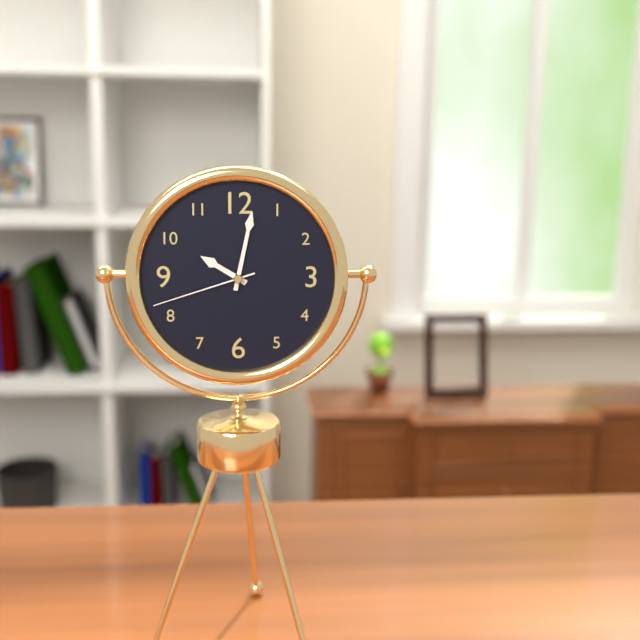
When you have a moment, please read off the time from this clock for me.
10:02:42
